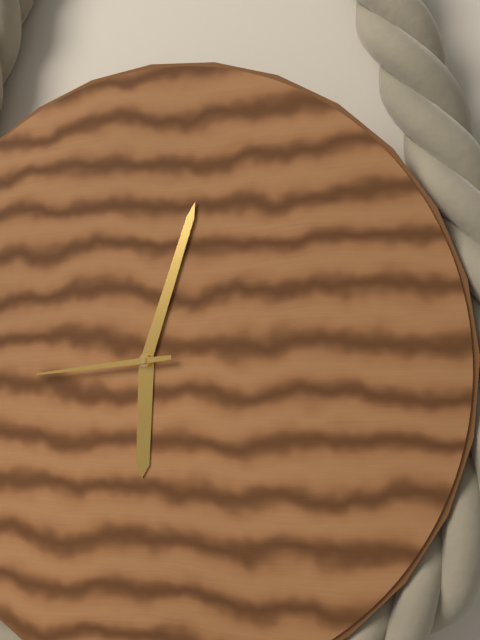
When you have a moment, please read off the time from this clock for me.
6:03:44
